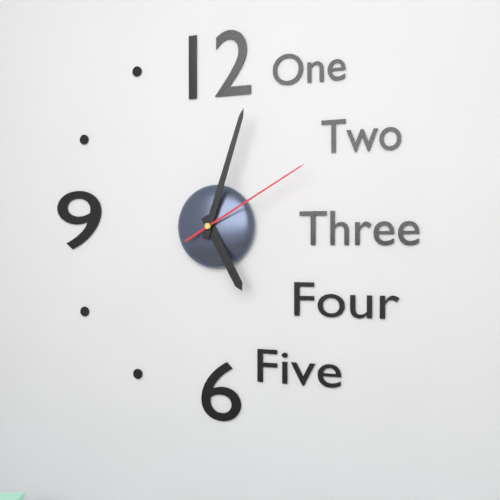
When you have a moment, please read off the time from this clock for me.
5:03:10
